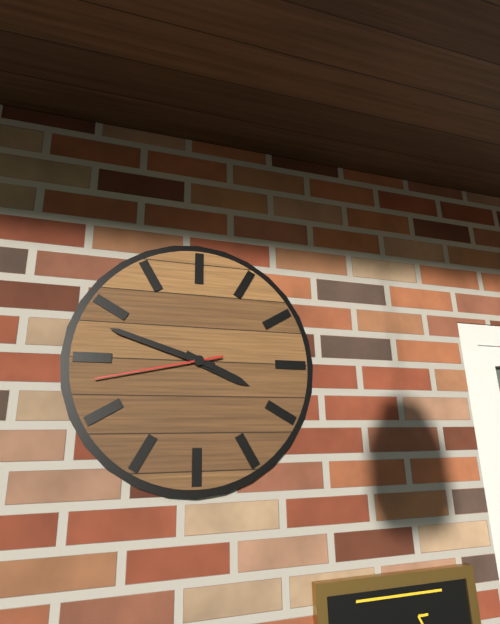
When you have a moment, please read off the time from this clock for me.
3:48:43
